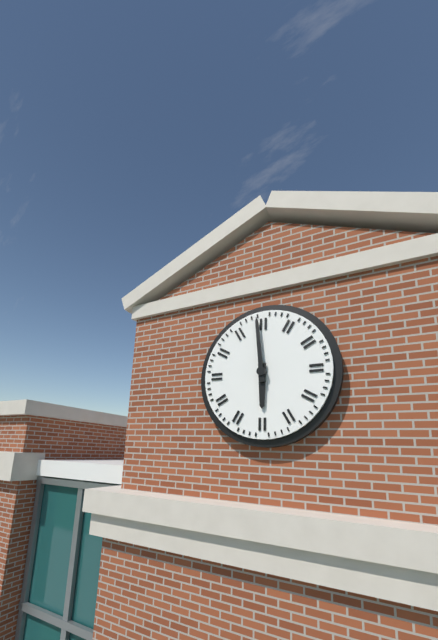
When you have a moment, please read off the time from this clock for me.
5:59
